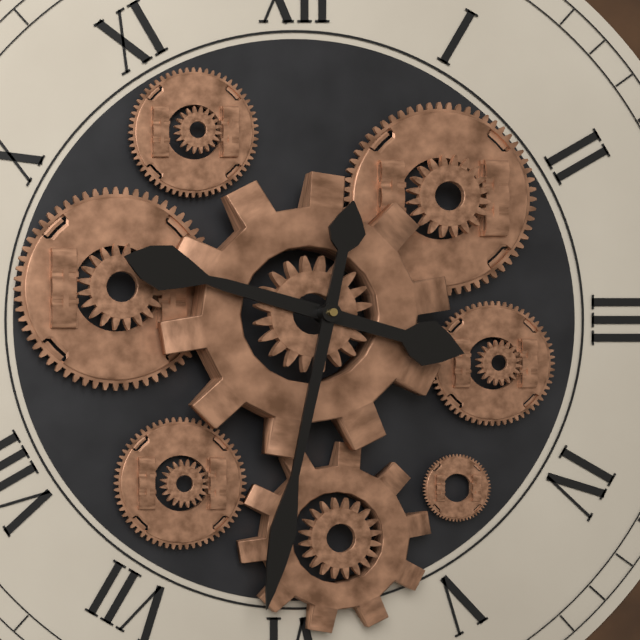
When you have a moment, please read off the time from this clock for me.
9:32
